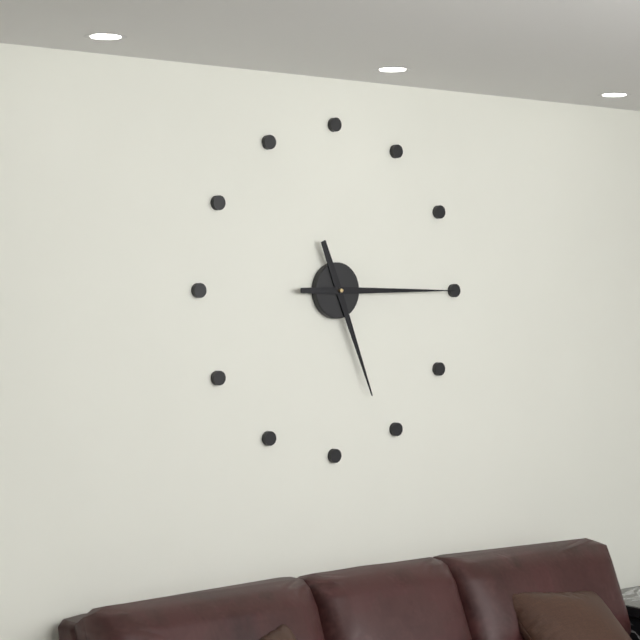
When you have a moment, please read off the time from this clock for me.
5:15
